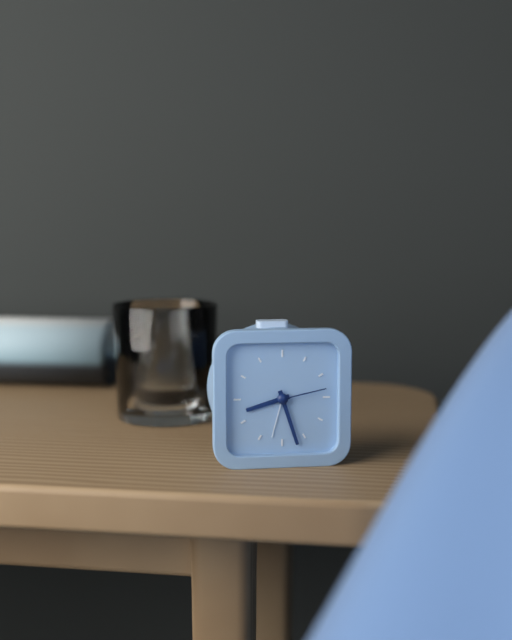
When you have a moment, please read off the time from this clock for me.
8:27:13
